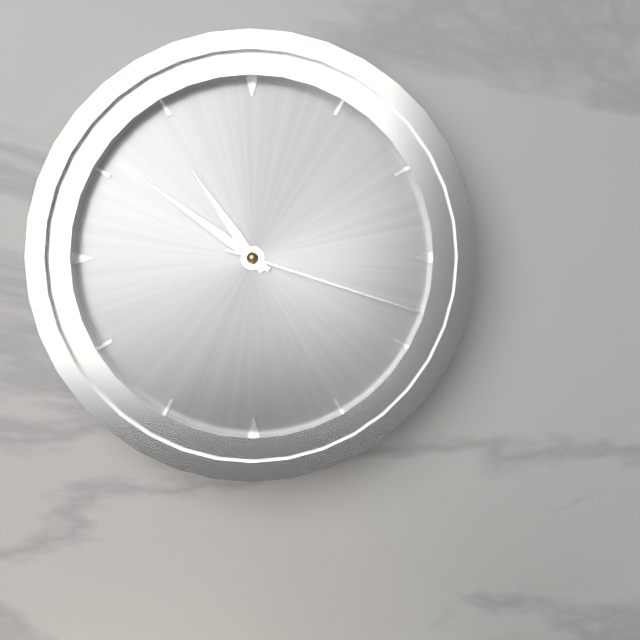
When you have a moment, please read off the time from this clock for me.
10:51:18
